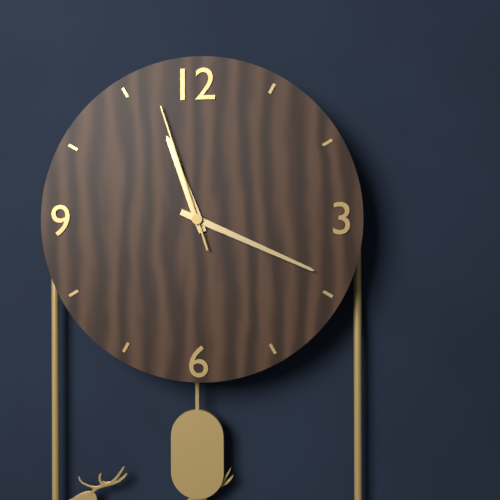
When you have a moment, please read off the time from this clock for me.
11:19:57
